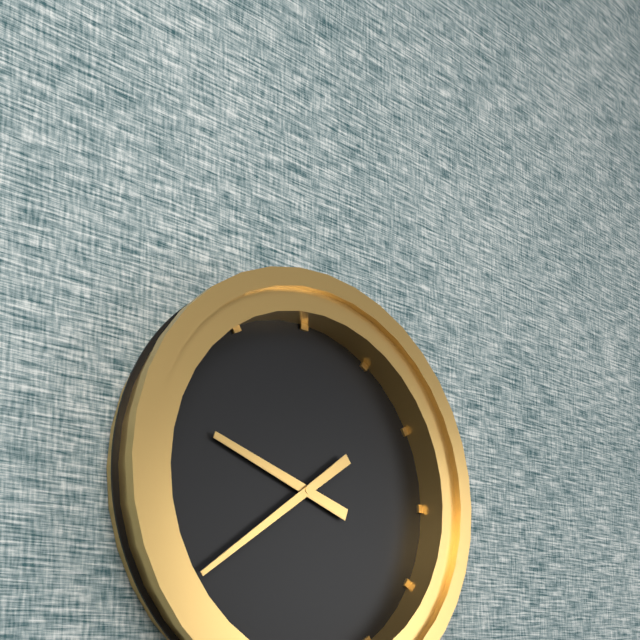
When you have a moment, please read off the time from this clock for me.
9:39
